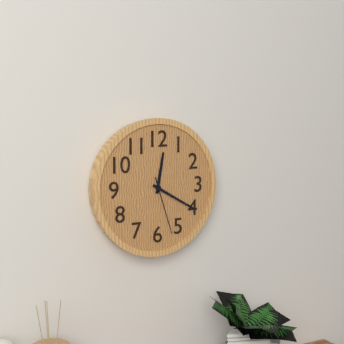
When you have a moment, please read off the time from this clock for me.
12:20:27
